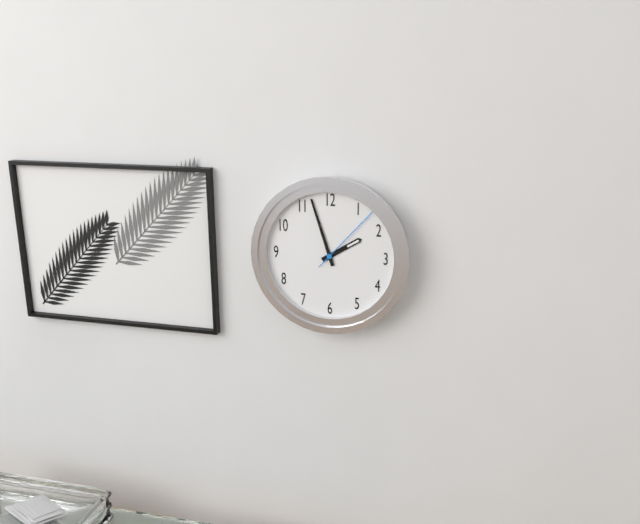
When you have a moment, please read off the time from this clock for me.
1:57:07
